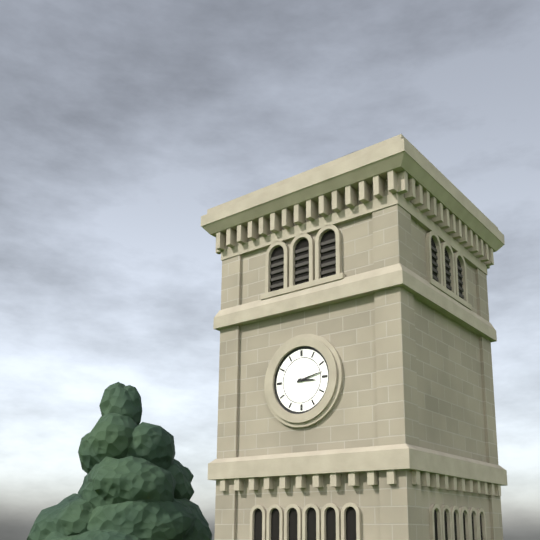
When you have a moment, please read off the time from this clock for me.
3:13
